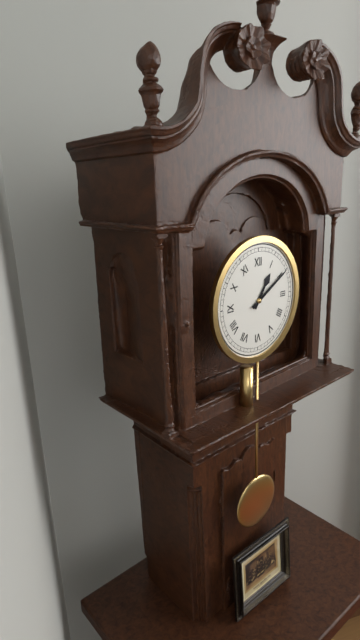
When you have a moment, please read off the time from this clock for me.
1:10
